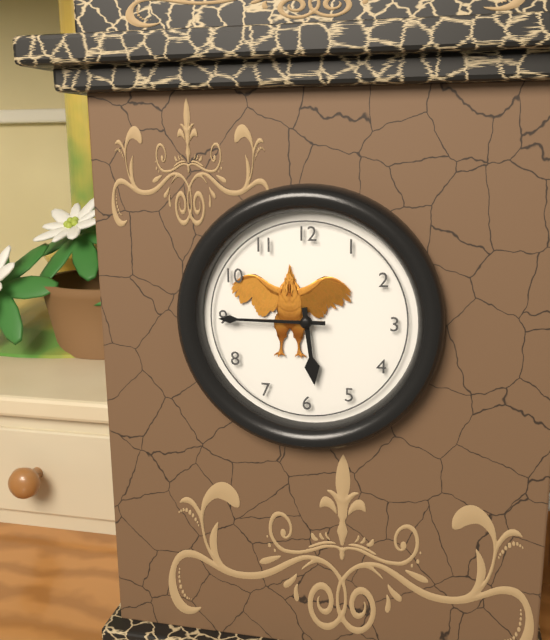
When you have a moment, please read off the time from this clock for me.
5:45
